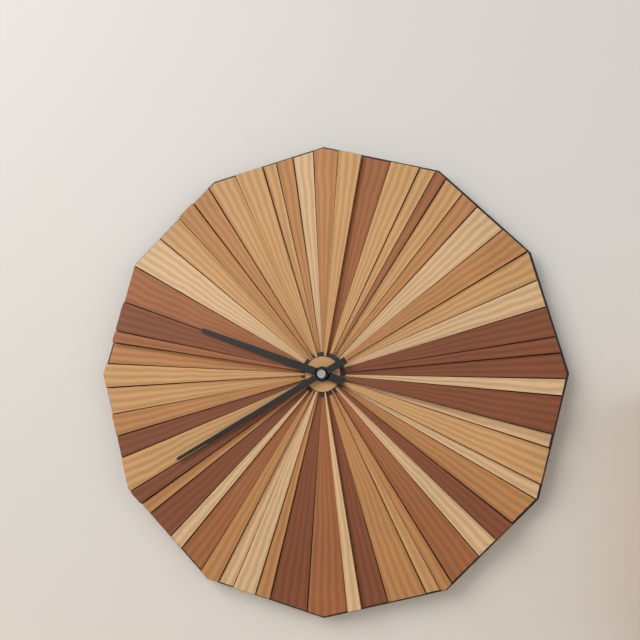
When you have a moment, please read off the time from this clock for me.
9:40
